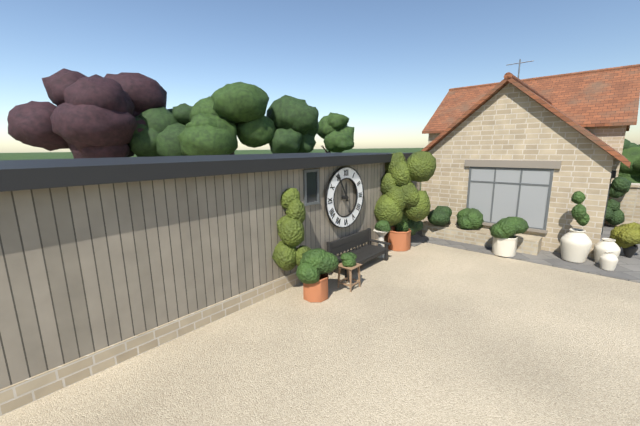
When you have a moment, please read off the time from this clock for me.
11:55
